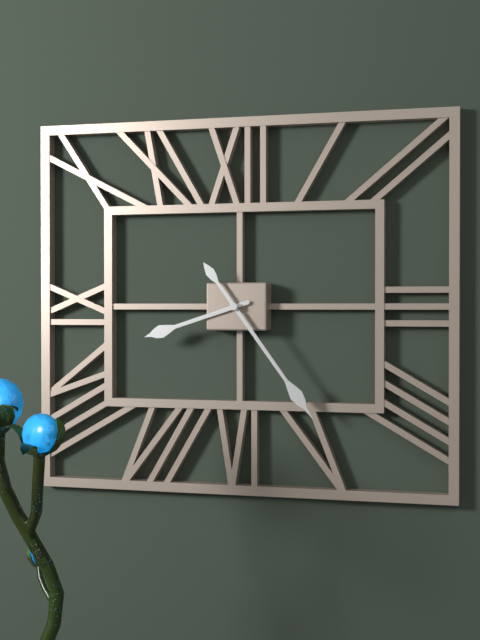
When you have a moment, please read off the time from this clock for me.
8:24
